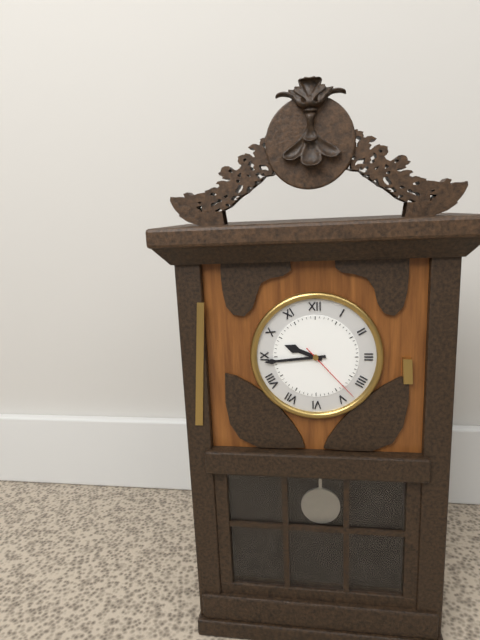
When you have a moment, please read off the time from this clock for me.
9:44:23
